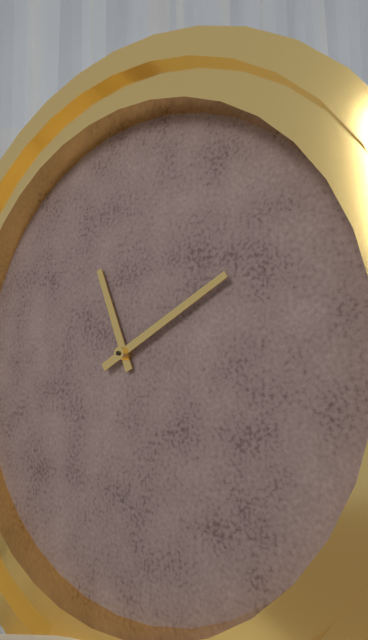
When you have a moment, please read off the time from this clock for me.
11:10
